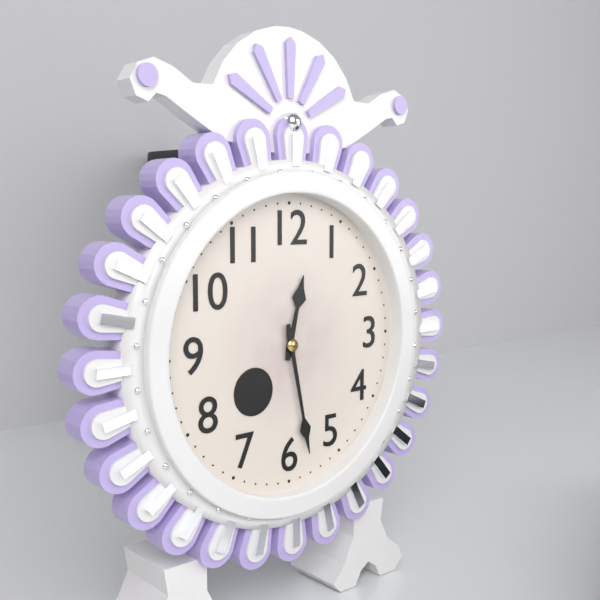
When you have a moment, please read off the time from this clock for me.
12:28
